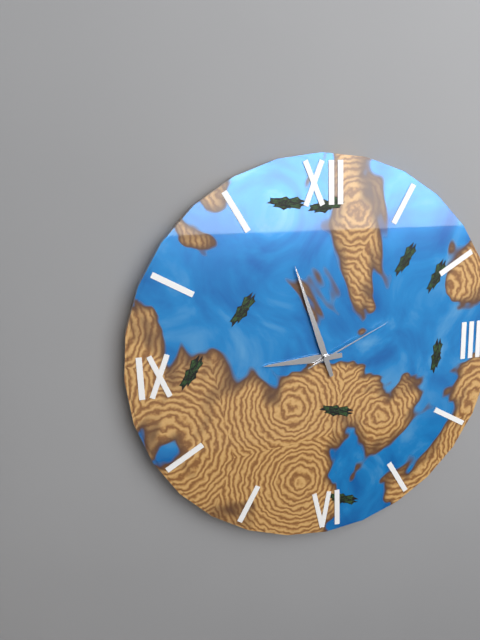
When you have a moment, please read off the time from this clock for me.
8:57:11
